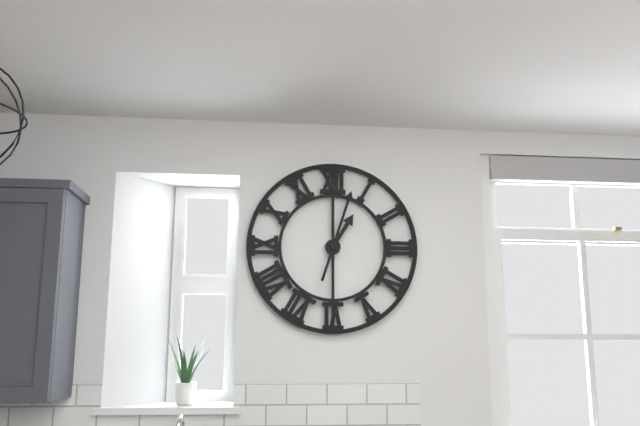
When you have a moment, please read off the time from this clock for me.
1:03
